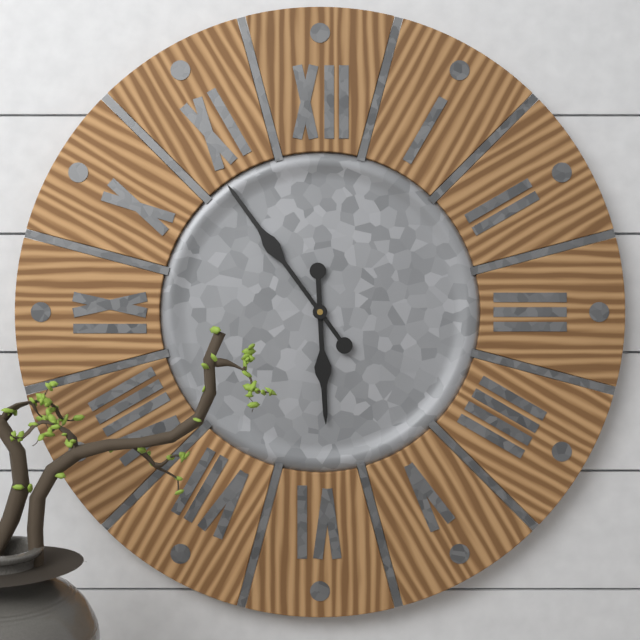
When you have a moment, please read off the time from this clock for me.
5:54
